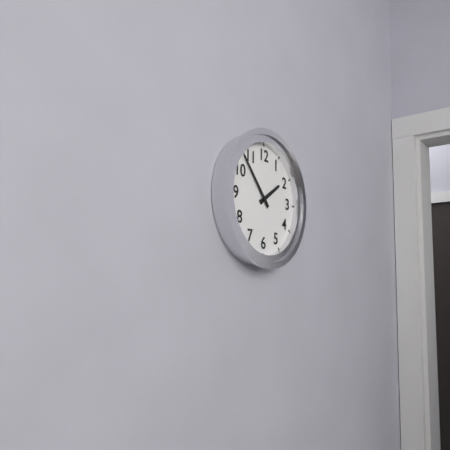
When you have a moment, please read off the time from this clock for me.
1:53
